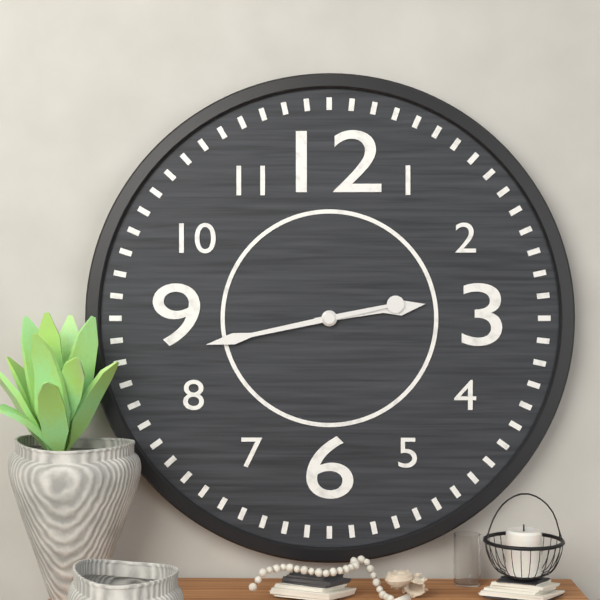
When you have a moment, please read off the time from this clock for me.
2:43
